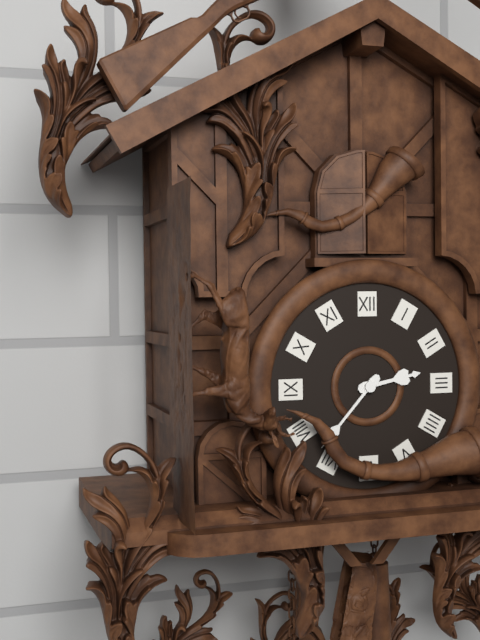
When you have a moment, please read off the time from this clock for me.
2:37
